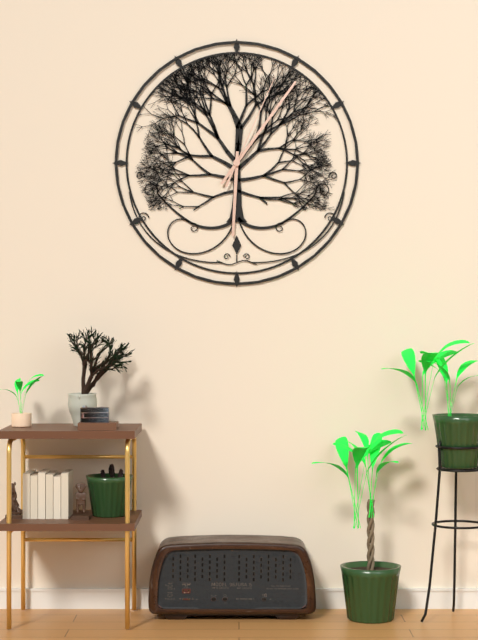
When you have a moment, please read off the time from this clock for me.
6:06:04
